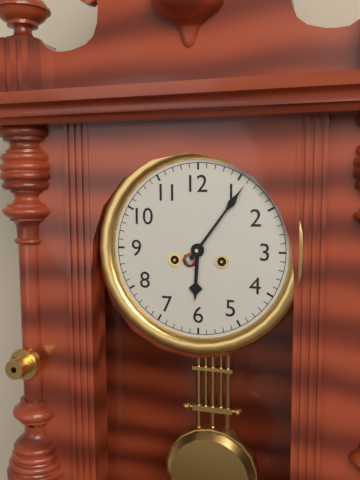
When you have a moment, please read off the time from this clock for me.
6:06
